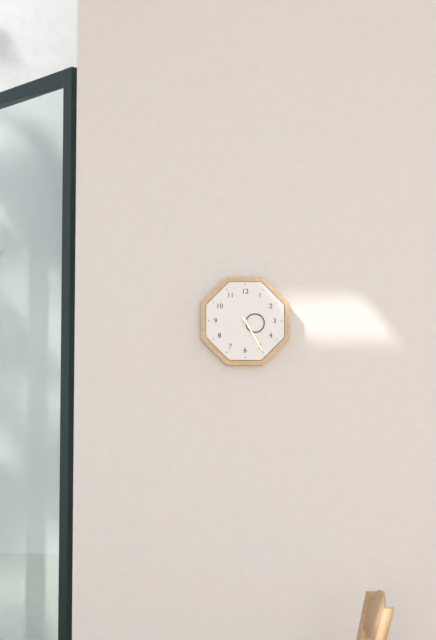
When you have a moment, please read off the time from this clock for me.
3:25
